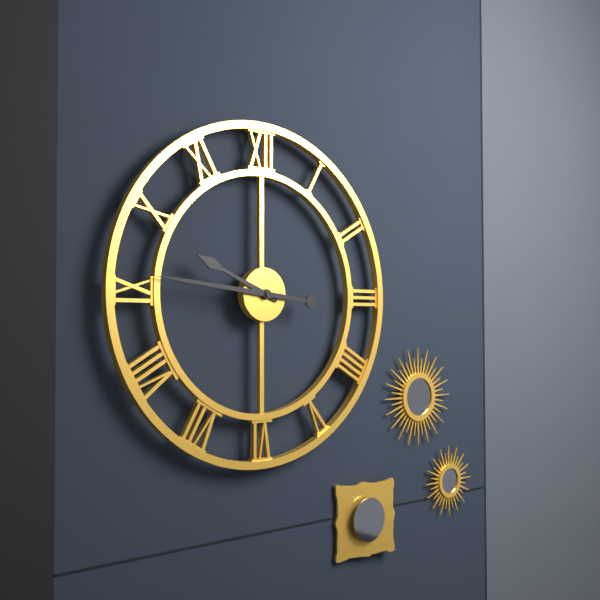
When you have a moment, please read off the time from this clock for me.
9:46
